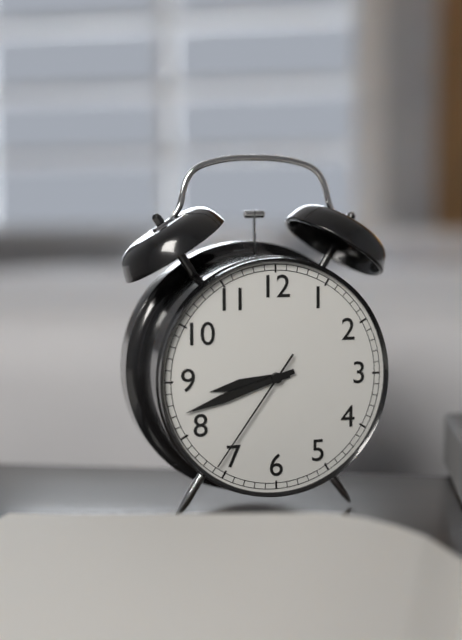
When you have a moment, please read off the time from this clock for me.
8:42:36
